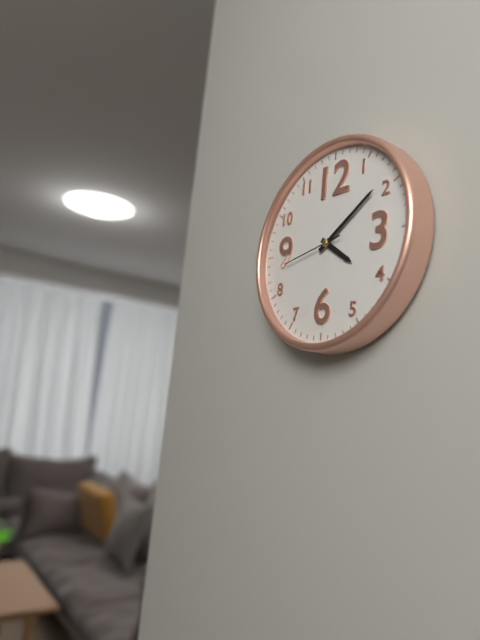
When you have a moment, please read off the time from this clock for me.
4:09:43
